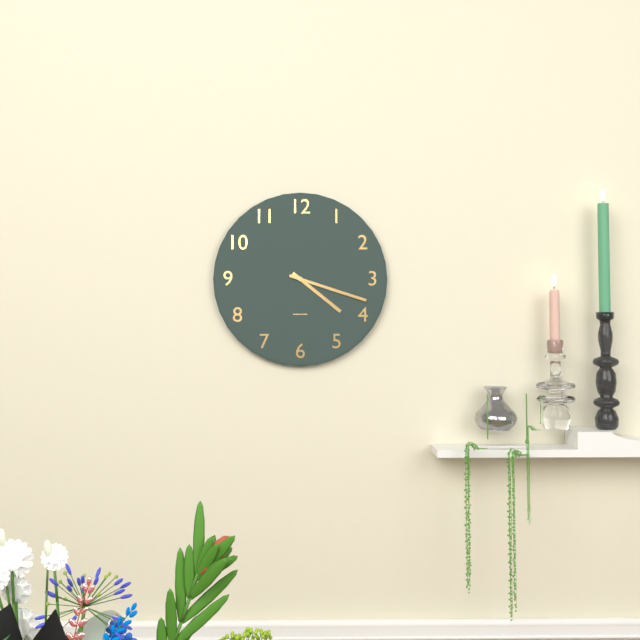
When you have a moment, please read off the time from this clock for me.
4:18
